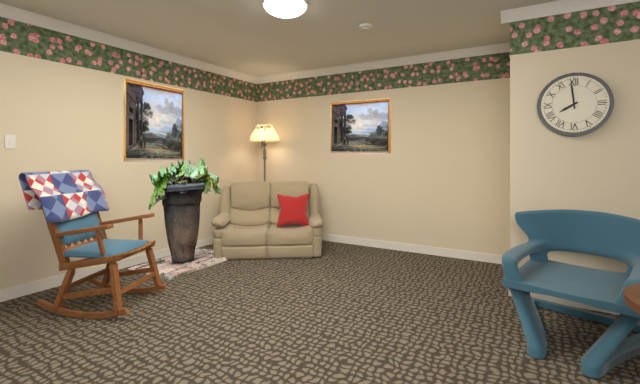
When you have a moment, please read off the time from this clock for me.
7:59
